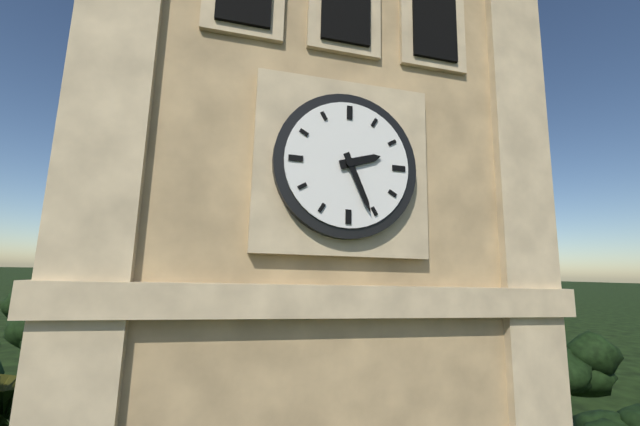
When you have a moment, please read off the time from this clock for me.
2:26
